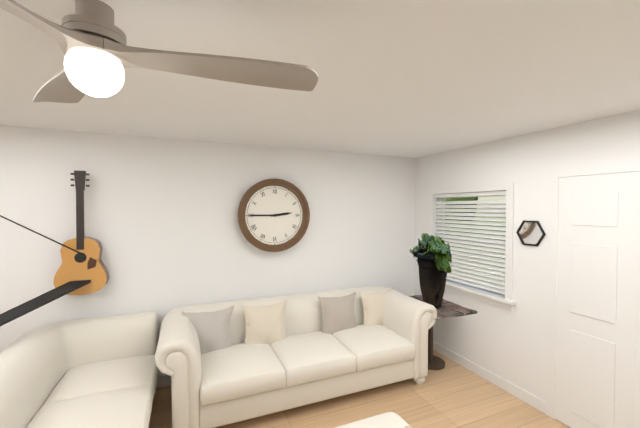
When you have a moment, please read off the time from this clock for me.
2:45
